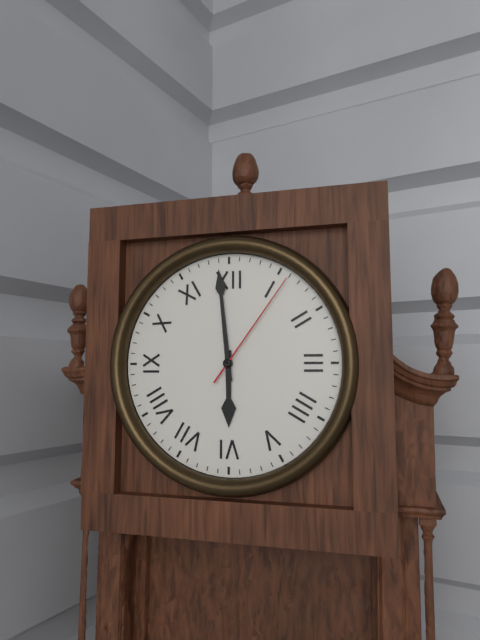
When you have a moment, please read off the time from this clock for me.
5:59:06
